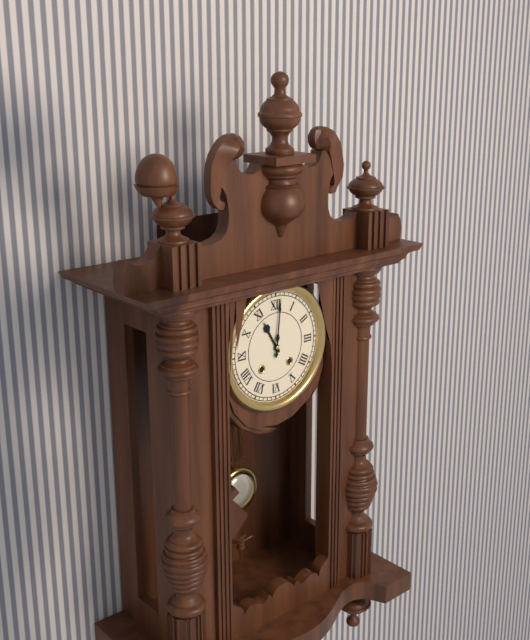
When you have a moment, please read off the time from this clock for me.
11:01
